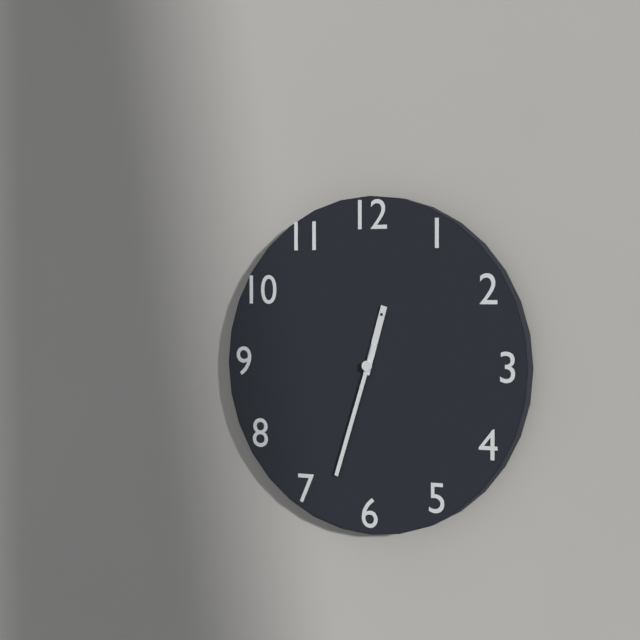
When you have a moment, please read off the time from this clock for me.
12:33
